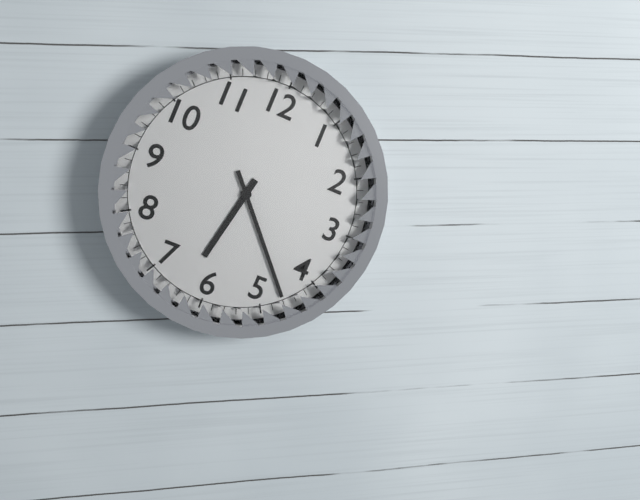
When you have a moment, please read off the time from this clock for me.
6:23
